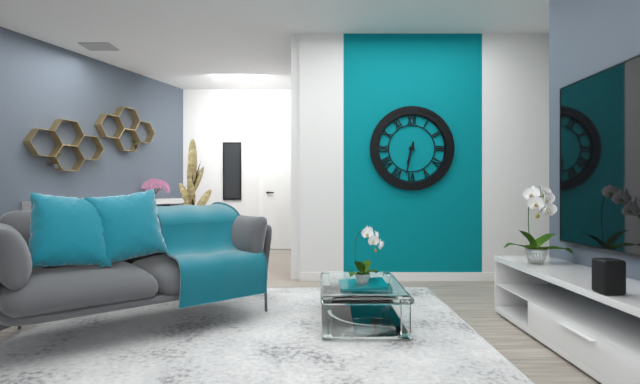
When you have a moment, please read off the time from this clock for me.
6:32
